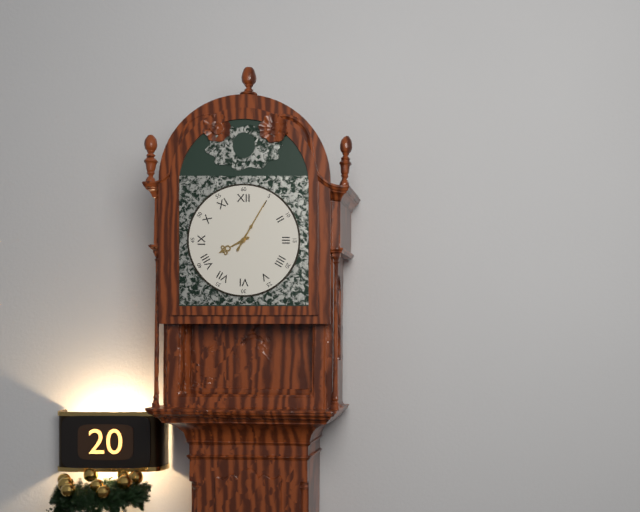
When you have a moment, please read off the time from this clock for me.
8:05
